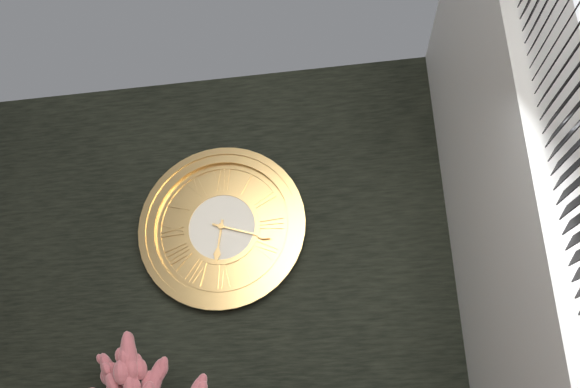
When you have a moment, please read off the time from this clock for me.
6:18
